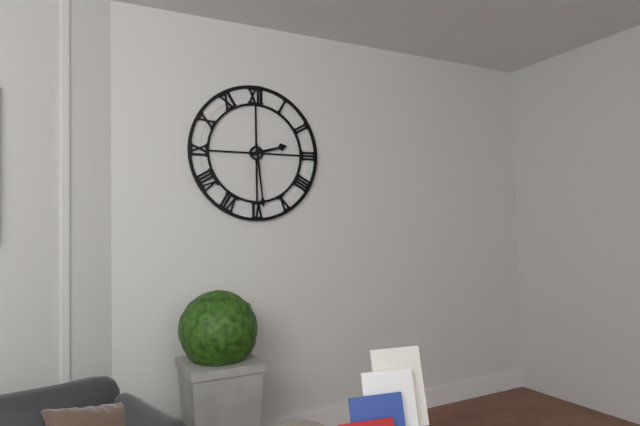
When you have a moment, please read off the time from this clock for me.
2:29
